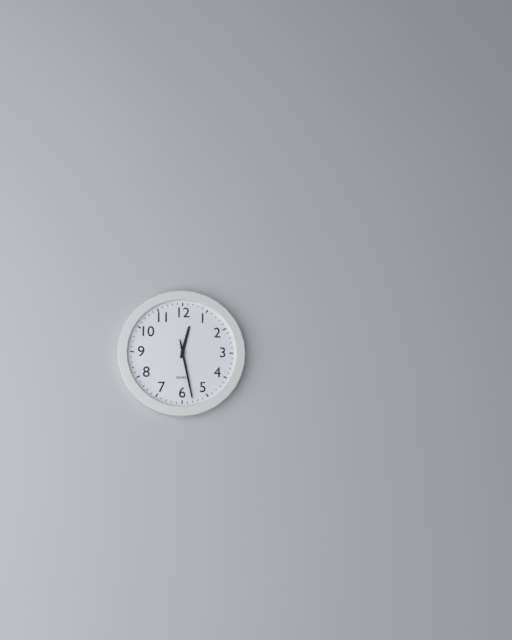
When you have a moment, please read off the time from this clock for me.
12:28
